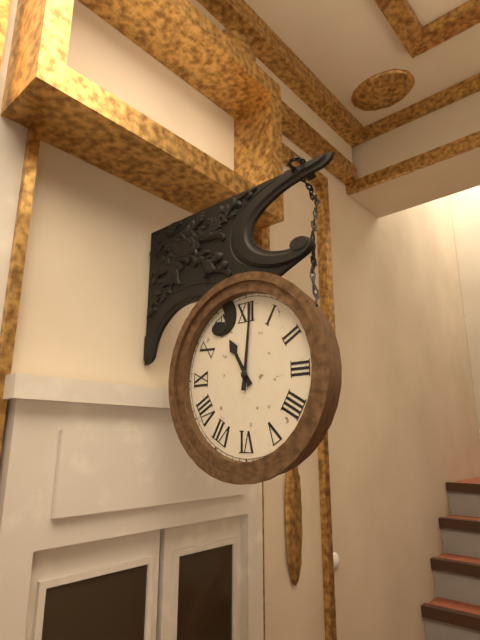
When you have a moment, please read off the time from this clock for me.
11:01
